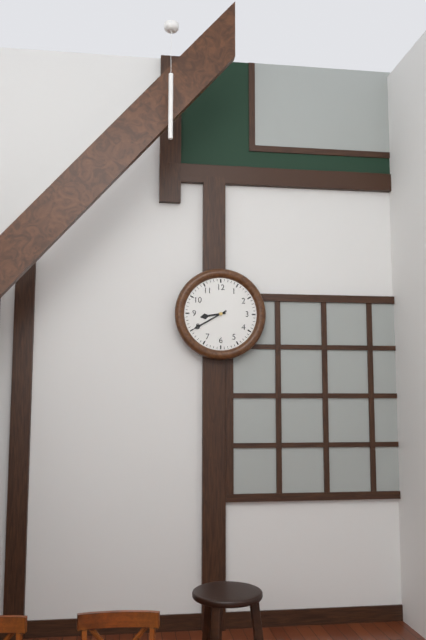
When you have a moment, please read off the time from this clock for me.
8:40
